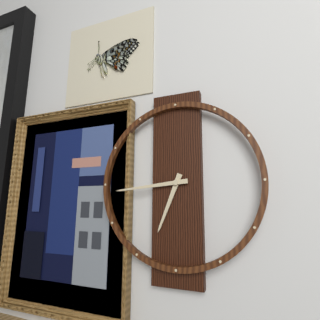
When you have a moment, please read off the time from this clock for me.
6:44
